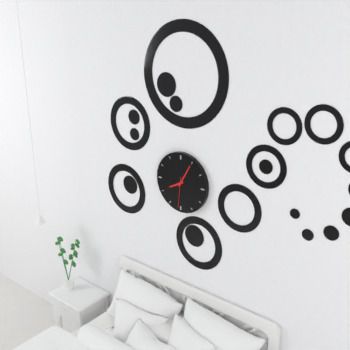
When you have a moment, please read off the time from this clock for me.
8:05
